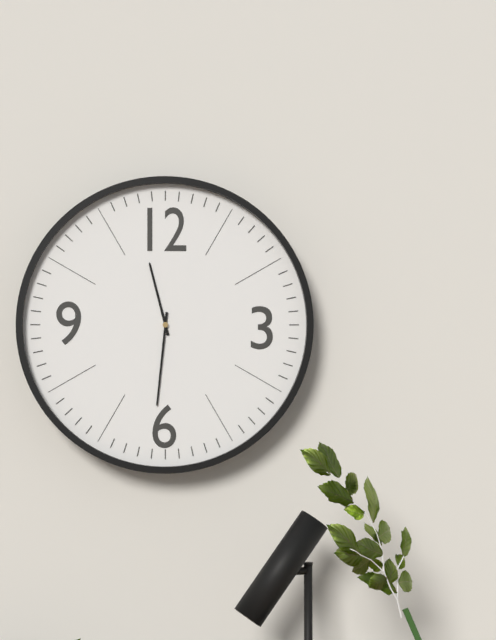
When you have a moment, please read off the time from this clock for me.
11:31
